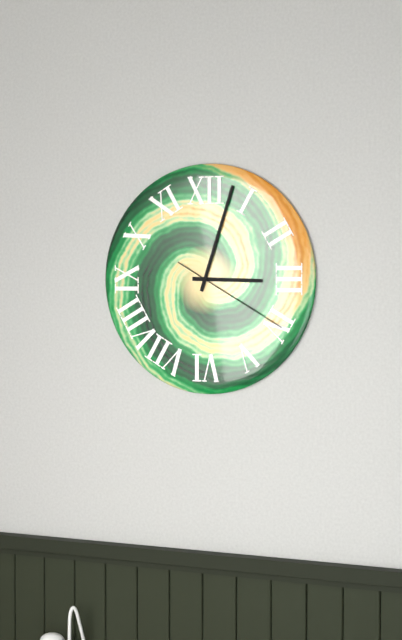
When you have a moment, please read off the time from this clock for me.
3:03:20
